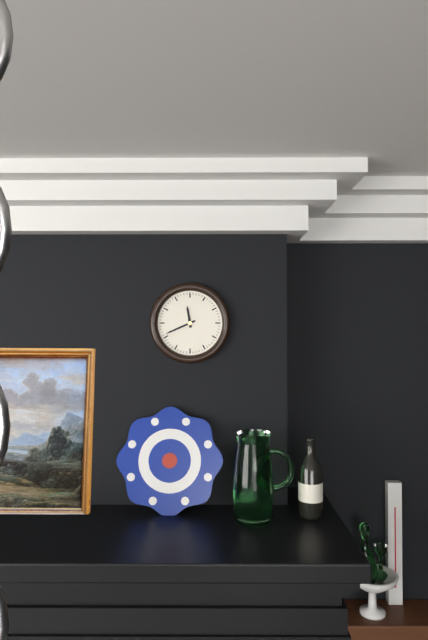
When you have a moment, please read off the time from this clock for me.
11:41
